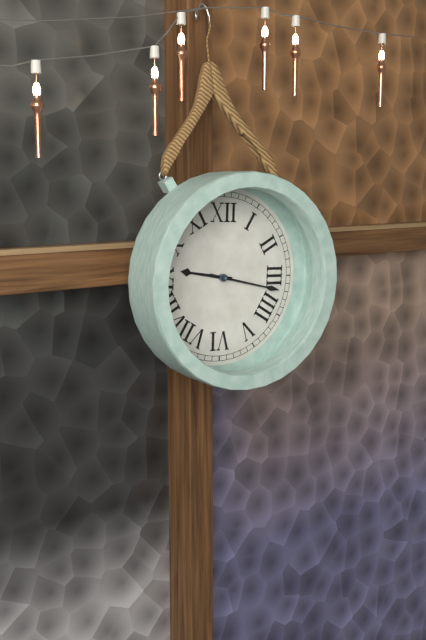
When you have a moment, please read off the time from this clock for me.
9:17
